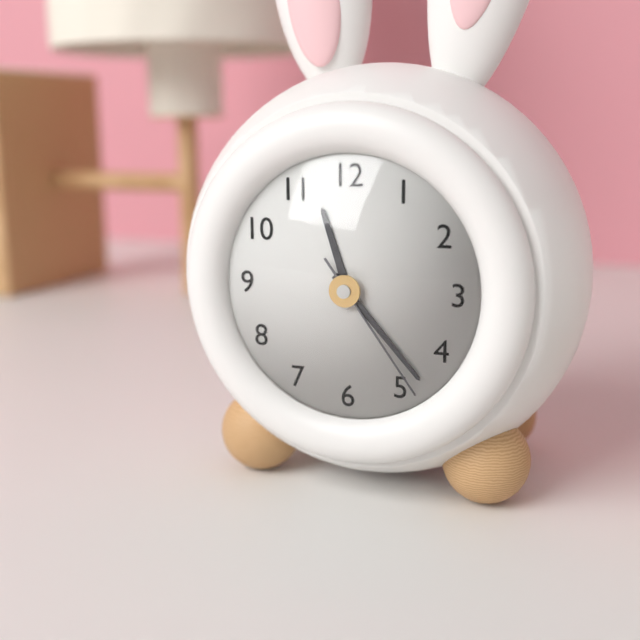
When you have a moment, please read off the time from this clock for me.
11:23:24
